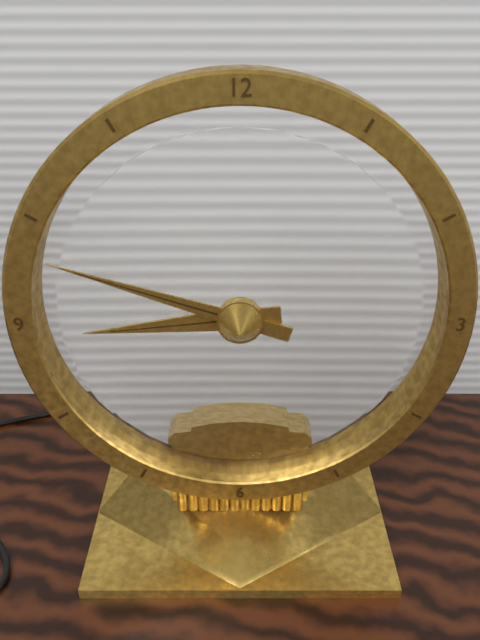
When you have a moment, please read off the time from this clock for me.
8:48
